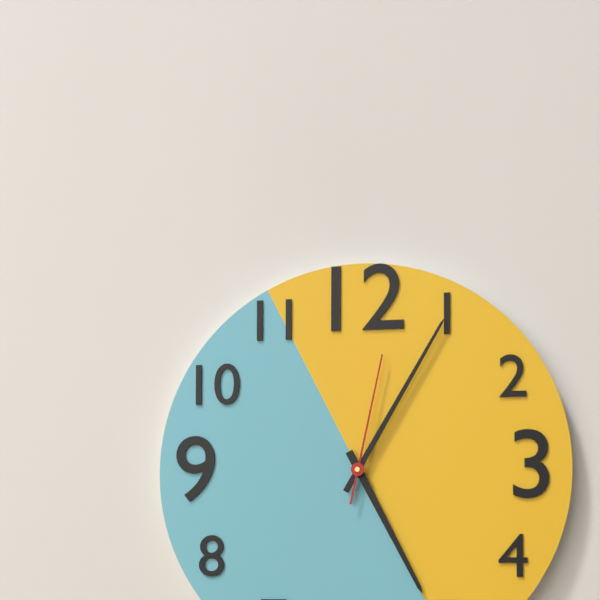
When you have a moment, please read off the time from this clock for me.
5:05:02
